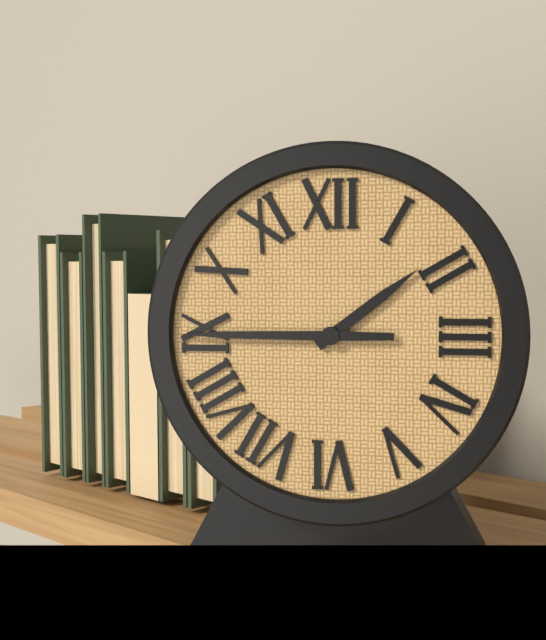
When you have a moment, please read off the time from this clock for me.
1:45
